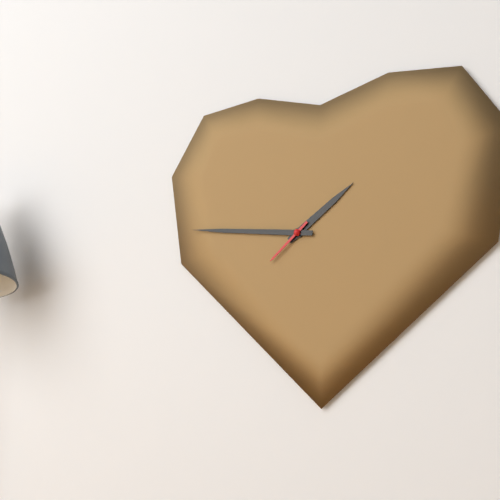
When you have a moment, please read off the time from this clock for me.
1:46:38
